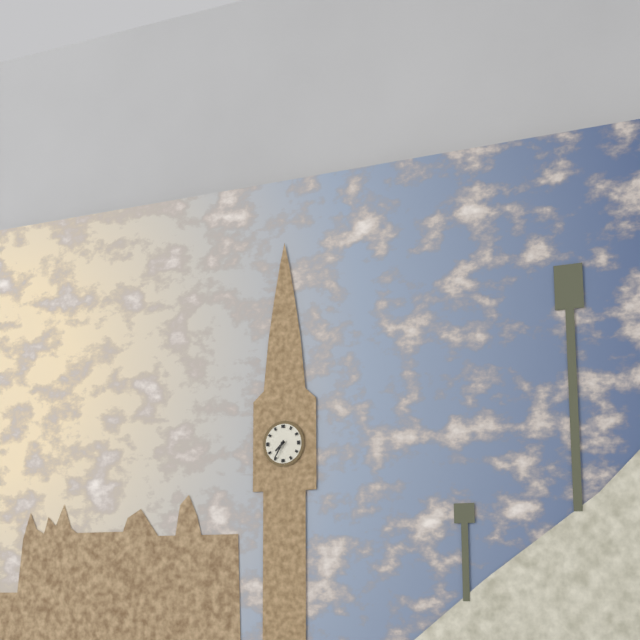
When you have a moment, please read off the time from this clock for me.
7:35
